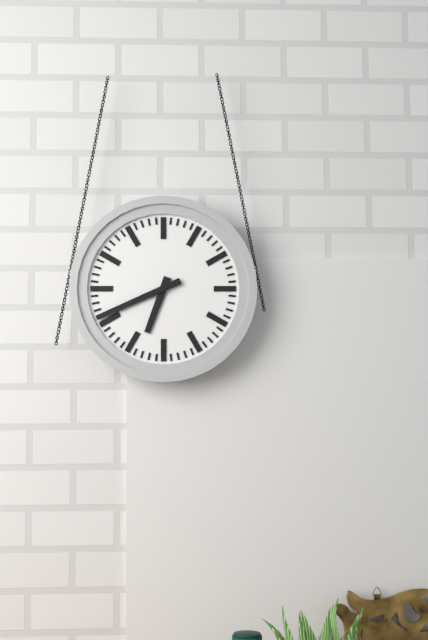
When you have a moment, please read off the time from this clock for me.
6:41
